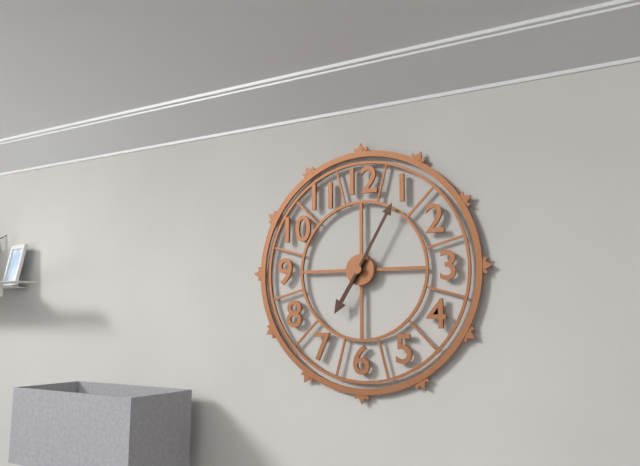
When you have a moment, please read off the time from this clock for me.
7:05
